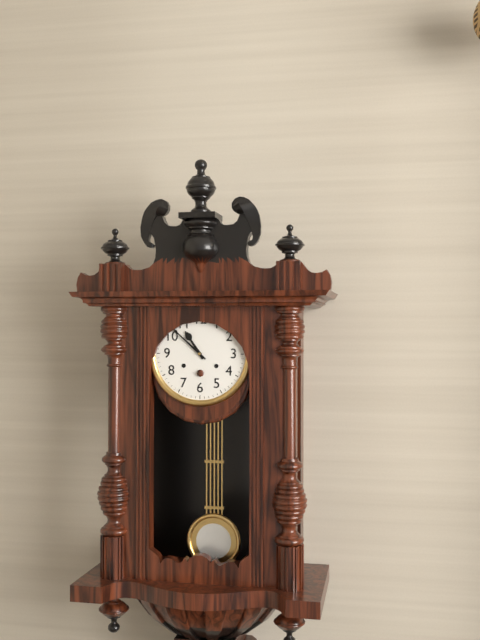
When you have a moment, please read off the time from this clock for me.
10:52
